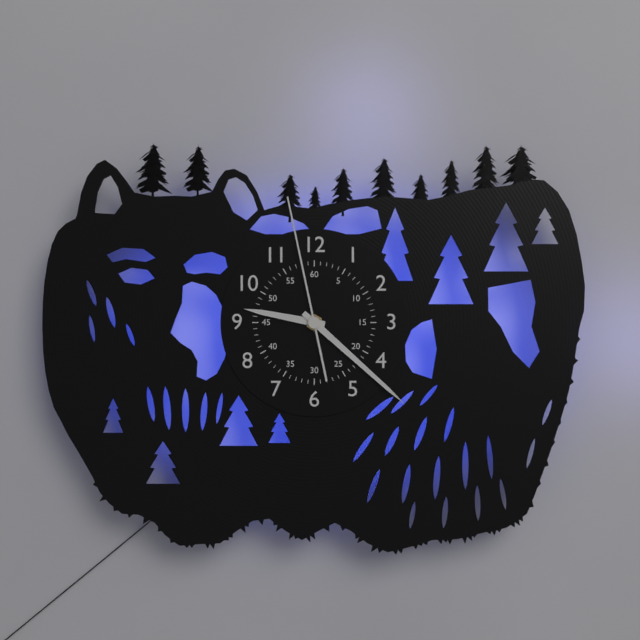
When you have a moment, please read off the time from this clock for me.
9:22:58
